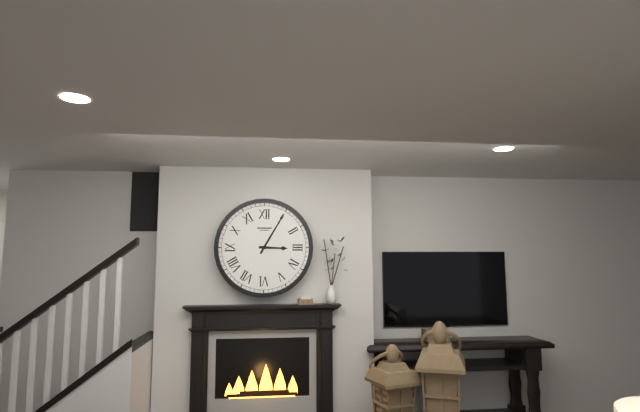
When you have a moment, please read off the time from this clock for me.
3:05
